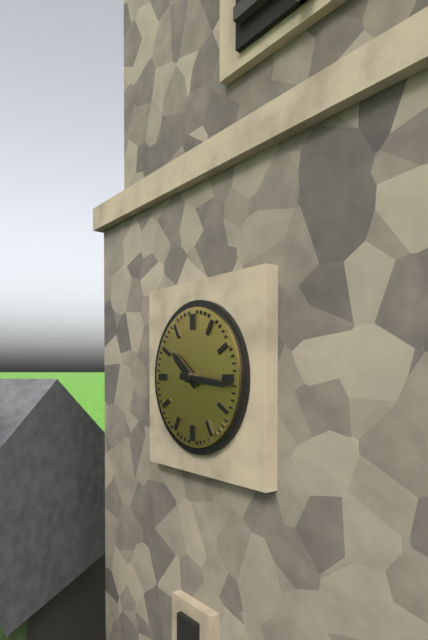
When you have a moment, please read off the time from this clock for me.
10:16
